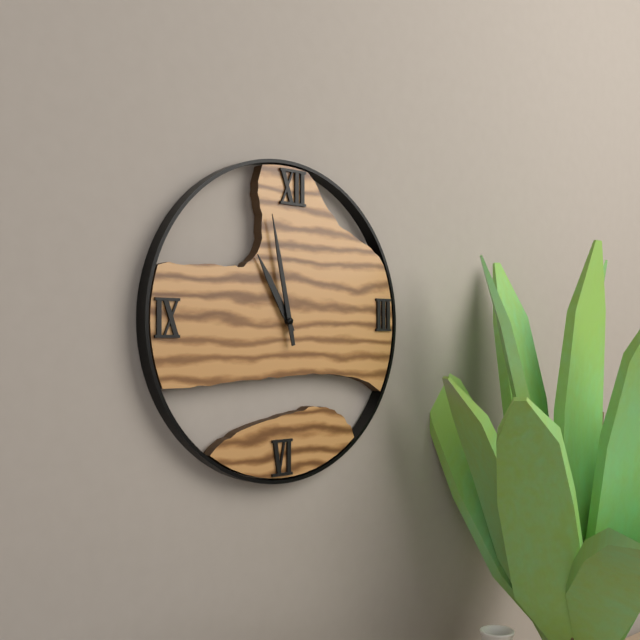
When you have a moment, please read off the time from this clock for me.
10:58
